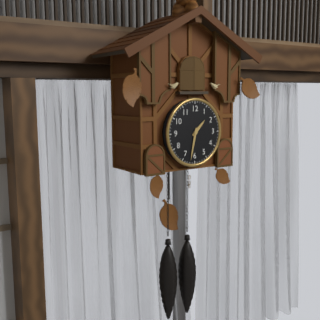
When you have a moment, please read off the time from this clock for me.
1:32
